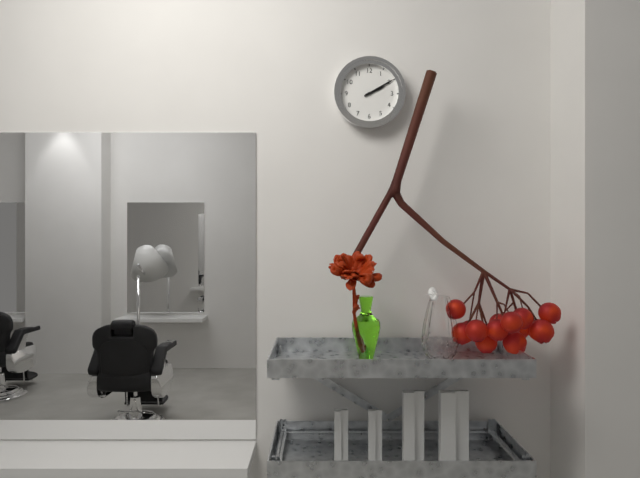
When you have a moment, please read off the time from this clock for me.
2:10
